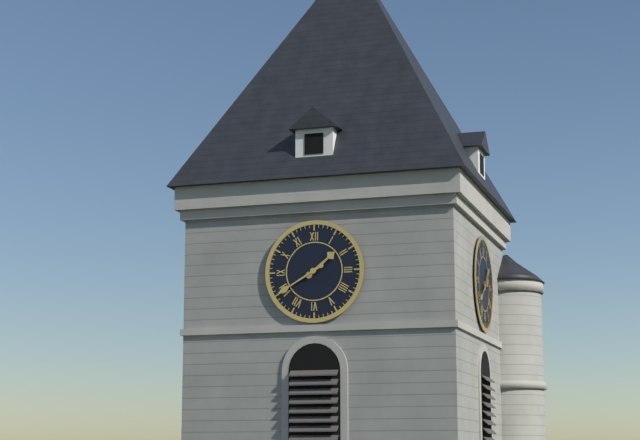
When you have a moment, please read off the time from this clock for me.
1:40
